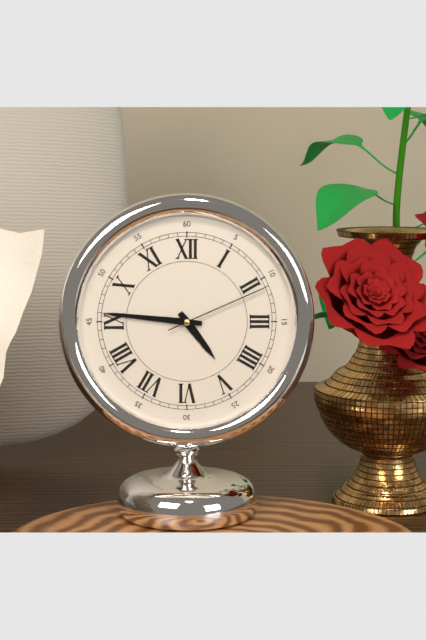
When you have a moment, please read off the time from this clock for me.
4:46:11
